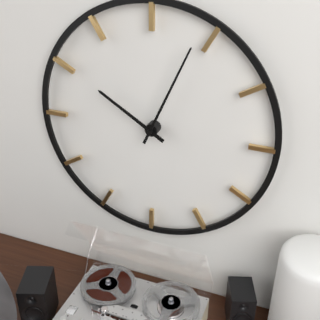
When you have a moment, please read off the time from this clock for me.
10:04
